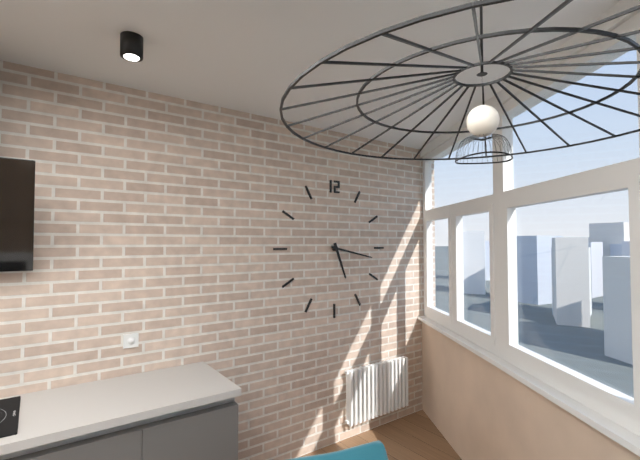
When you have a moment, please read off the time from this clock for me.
5:17
